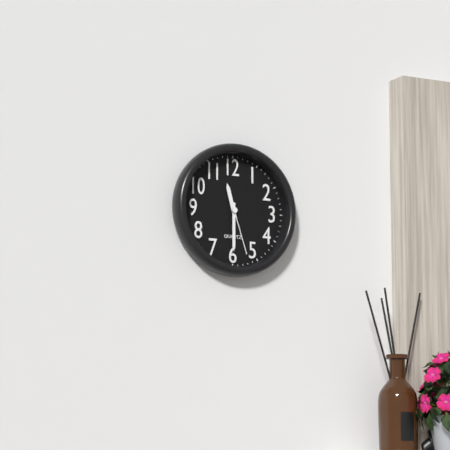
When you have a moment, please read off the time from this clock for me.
11:30:27
